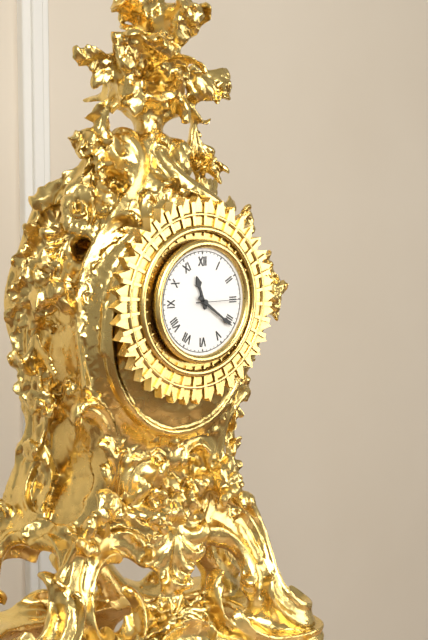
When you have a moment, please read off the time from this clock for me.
11:21
